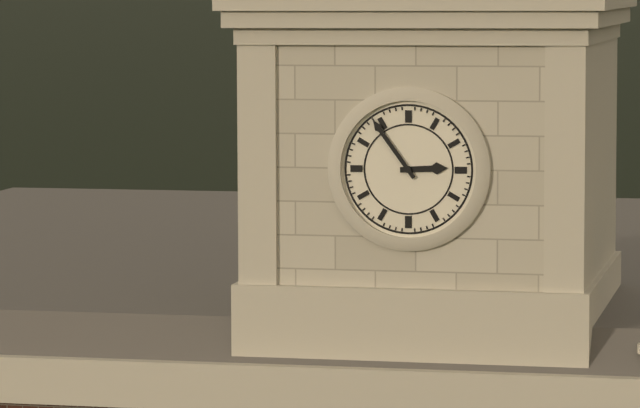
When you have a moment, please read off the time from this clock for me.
2:54
